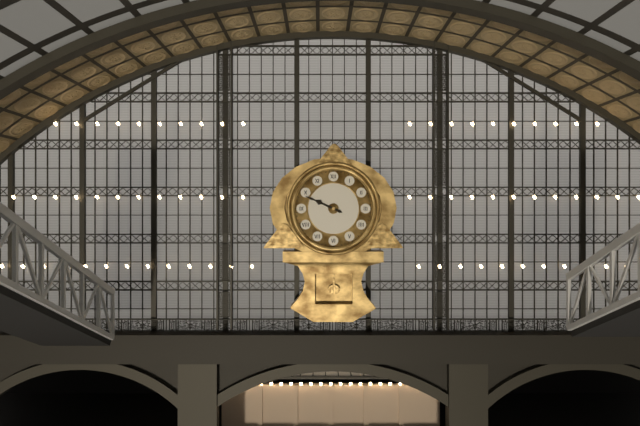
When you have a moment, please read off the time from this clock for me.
9:49
